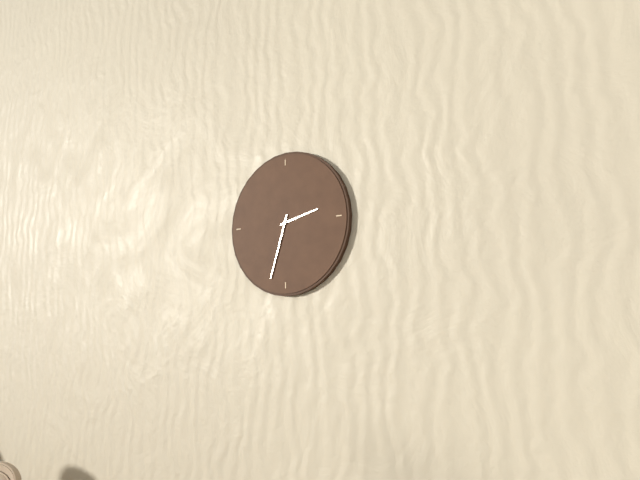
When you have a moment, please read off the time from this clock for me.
2:33
